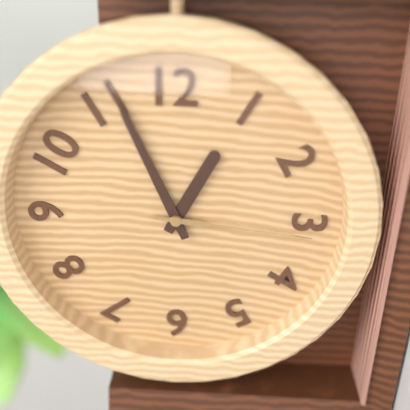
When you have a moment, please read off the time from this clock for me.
12:56:16
